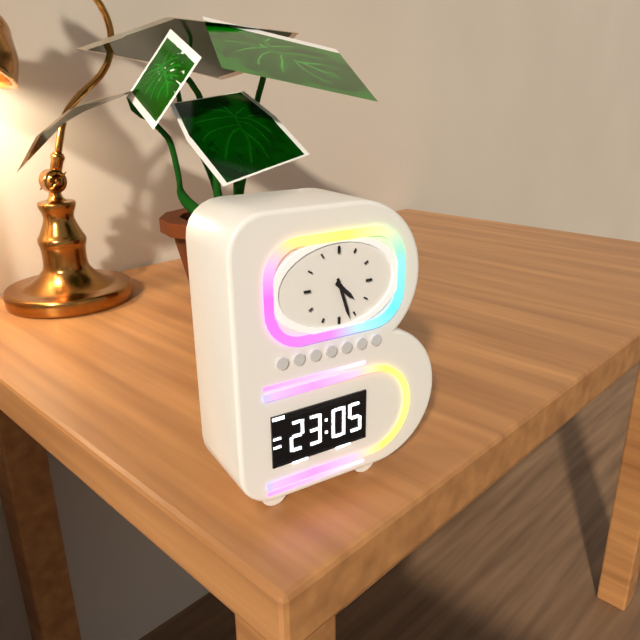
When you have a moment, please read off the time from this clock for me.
4:27
